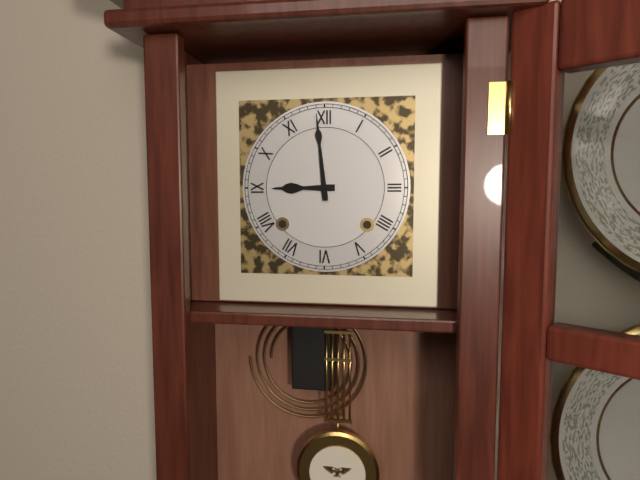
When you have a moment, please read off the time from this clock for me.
8:59
